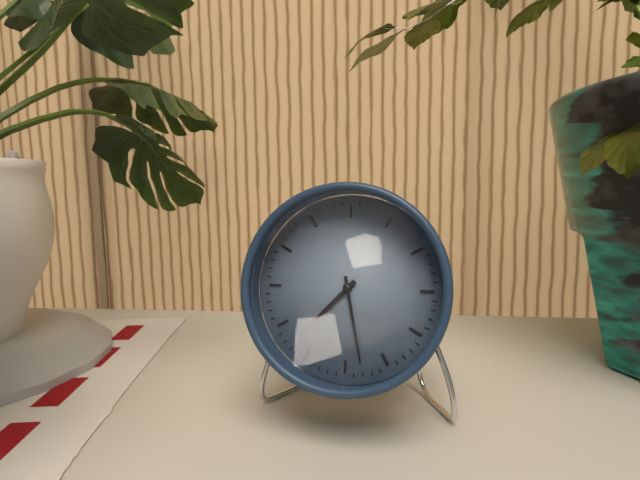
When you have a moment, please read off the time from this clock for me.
7:28
